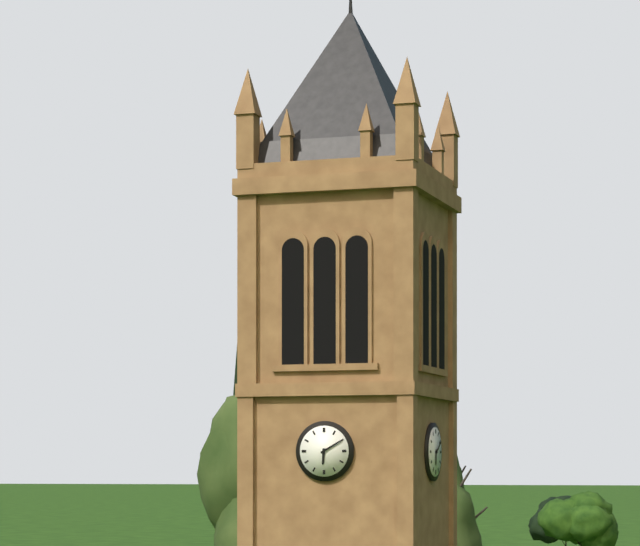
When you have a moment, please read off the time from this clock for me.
6:10
